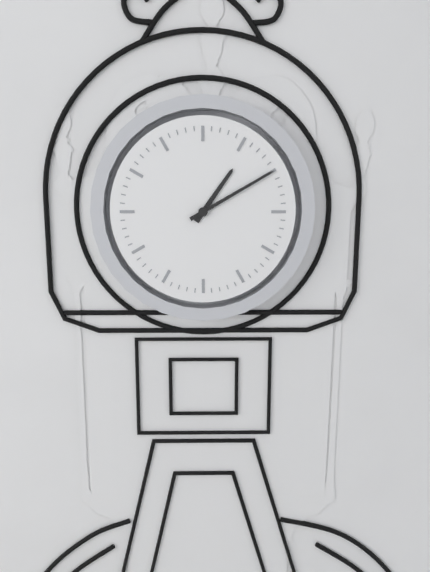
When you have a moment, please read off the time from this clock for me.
1:10
